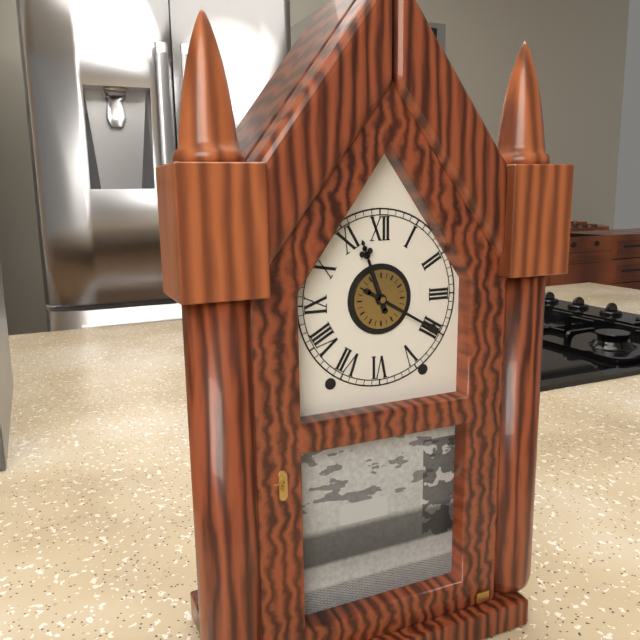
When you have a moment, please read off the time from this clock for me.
11:20
